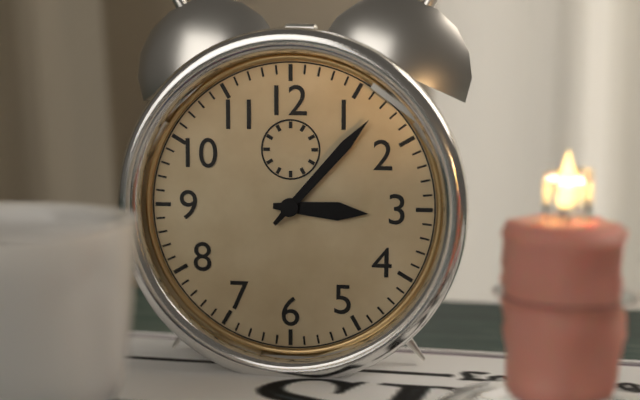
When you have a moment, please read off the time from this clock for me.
3:07
